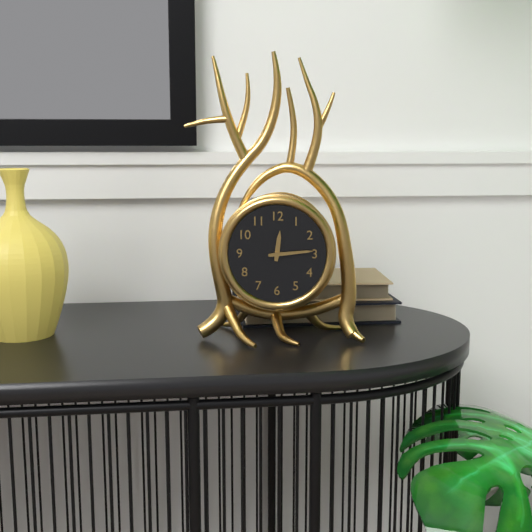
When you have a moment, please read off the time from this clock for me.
12:14
